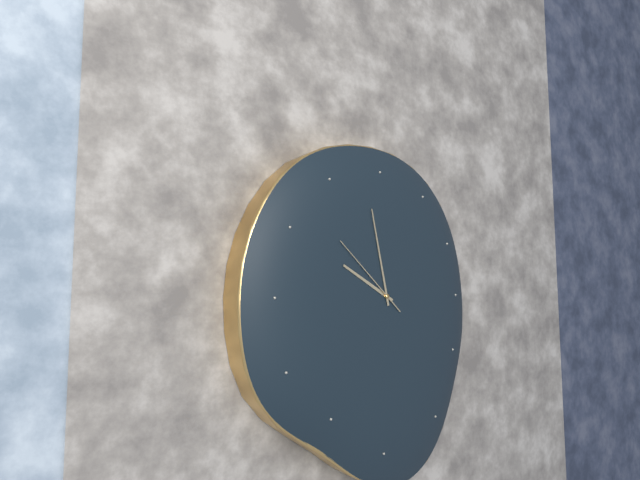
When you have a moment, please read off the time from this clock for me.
9:58:52
